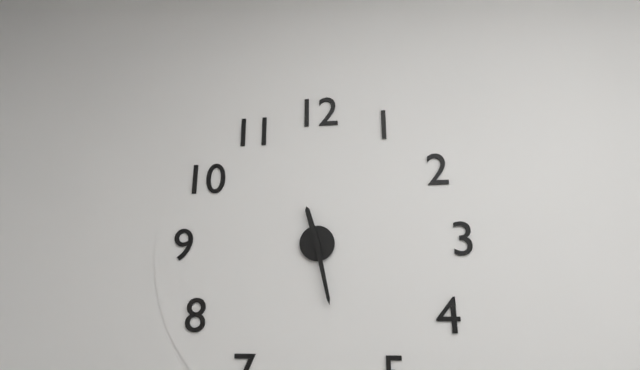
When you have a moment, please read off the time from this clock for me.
11:28
